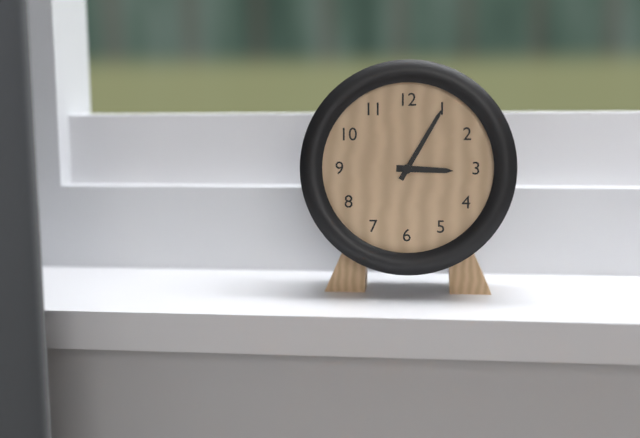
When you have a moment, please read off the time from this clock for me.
3:05
